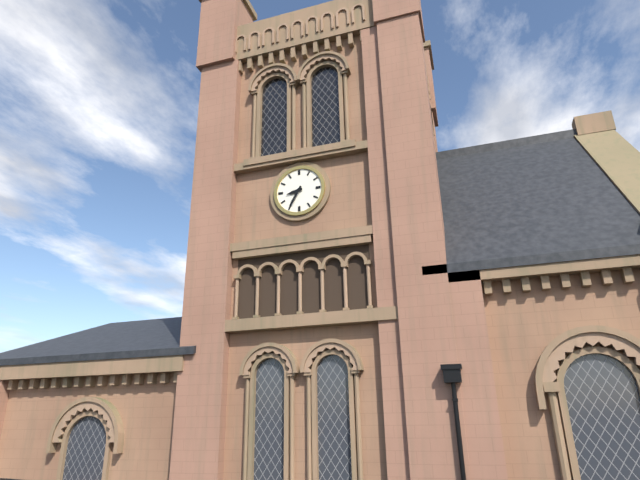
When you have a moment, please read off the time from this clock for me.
8:35
